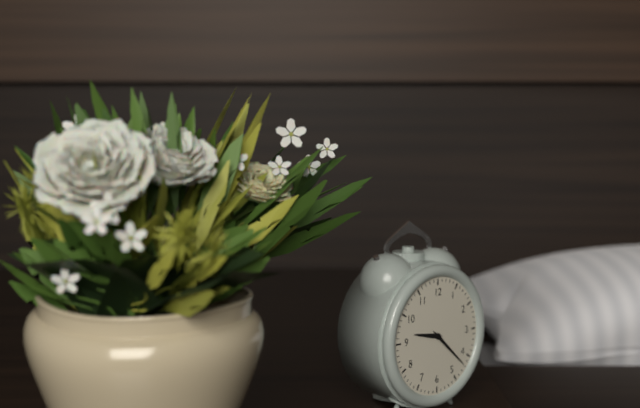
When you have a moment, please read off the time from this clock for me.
9:22
